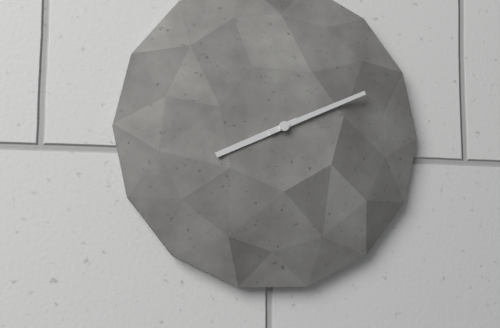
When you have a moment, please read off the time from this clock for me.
8:11
